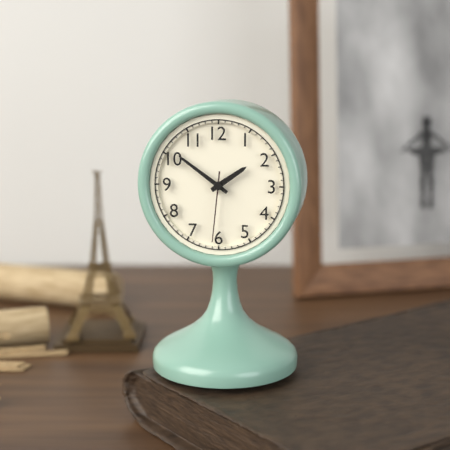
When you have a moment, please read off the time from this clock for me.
1:51:31
